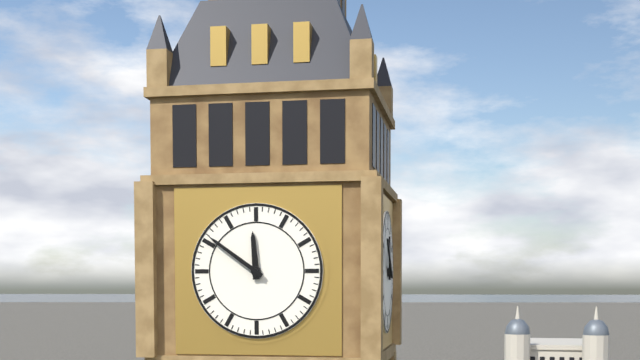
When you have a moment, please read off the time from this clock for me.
11:51
